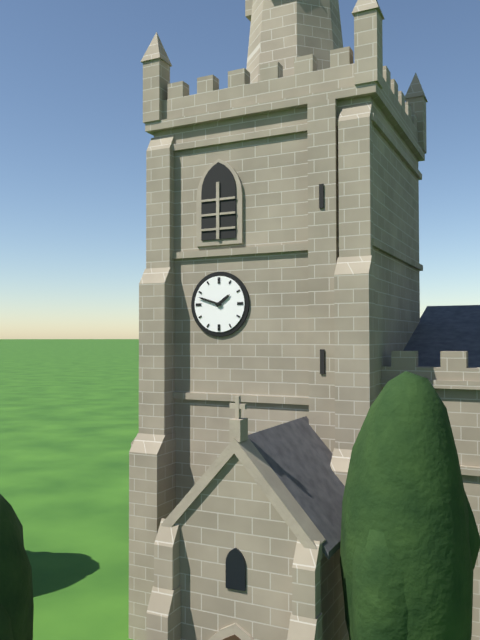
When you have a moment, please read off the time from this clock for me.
1:48
